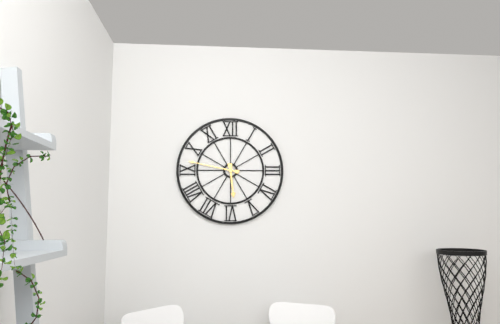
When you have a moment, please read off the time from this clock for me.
5:47
